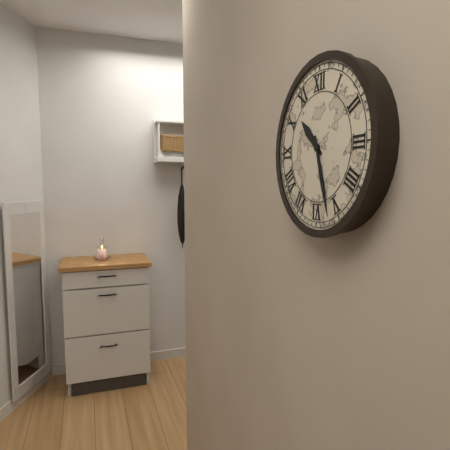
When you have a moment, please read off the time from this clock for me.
10:27
